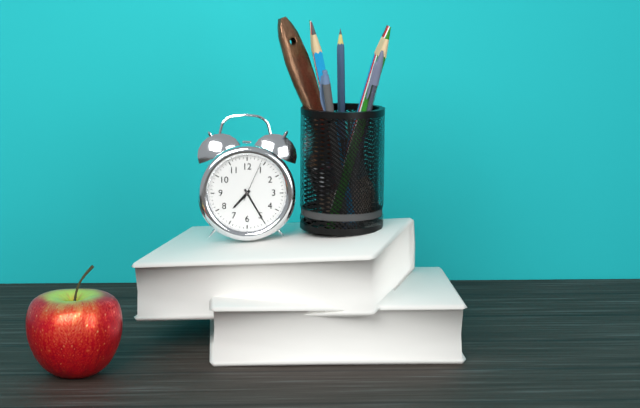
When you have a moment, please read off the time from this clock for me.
7:25
